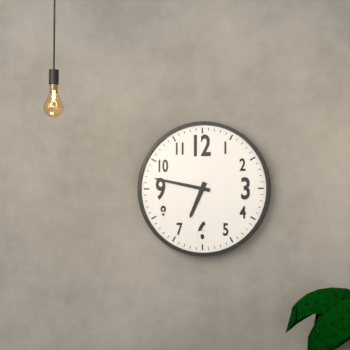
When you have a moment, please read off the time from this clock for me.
6:47
